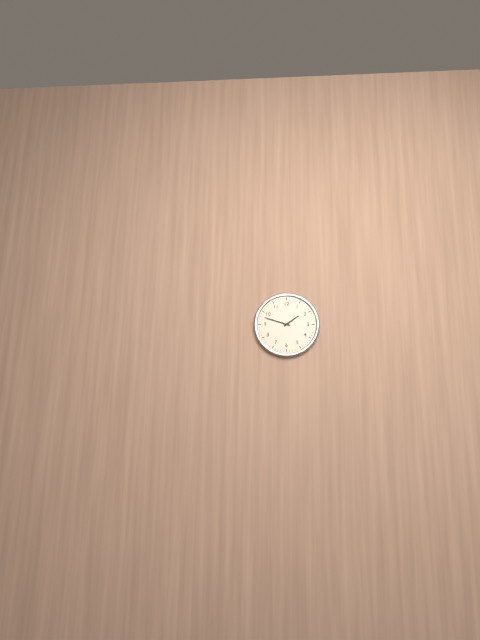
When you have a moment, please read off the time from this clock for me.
1:48
